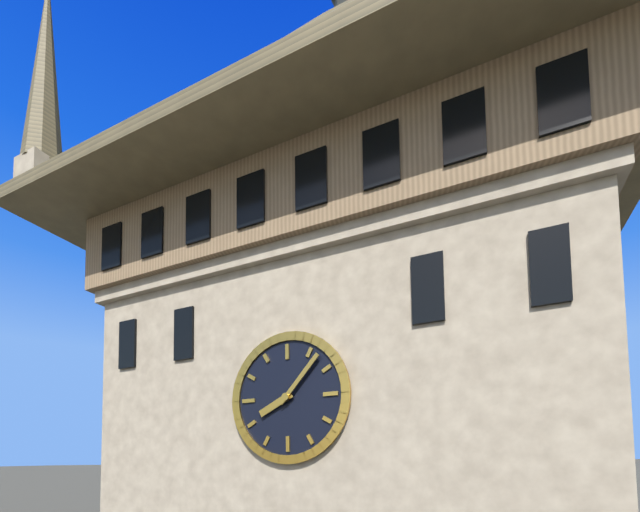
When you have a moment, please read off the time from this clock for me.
8:07
